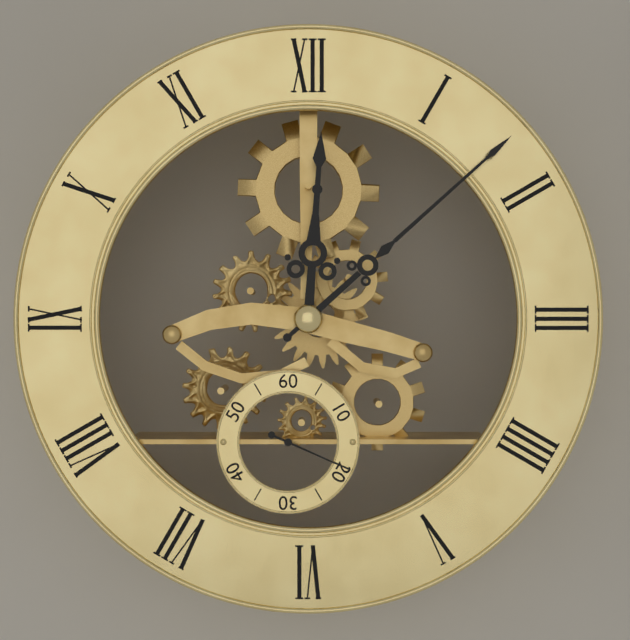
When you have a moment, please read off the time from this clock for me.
12:08:19
